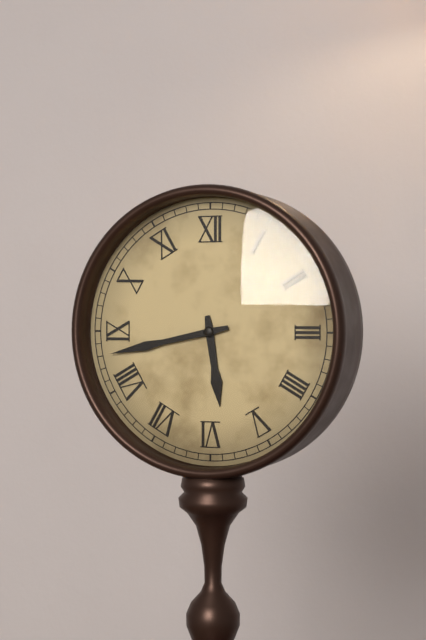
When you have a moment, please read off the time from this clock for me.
5:43
